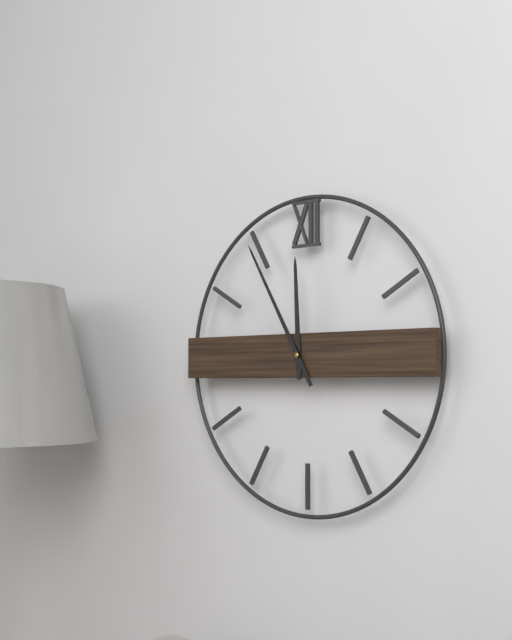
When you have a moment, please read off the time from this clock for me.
11:55
